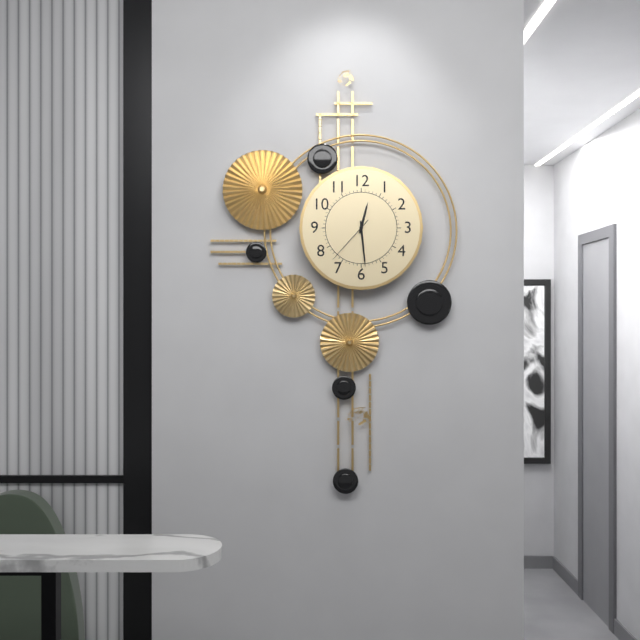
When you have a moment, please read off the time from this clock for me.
12:29:37
